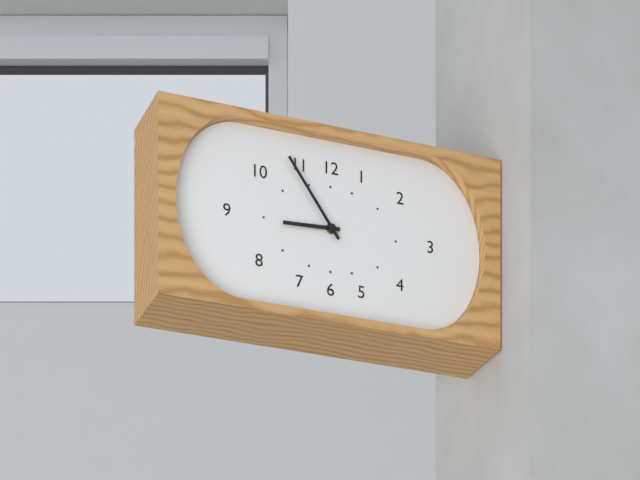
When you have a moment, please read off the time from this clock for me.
8:54
